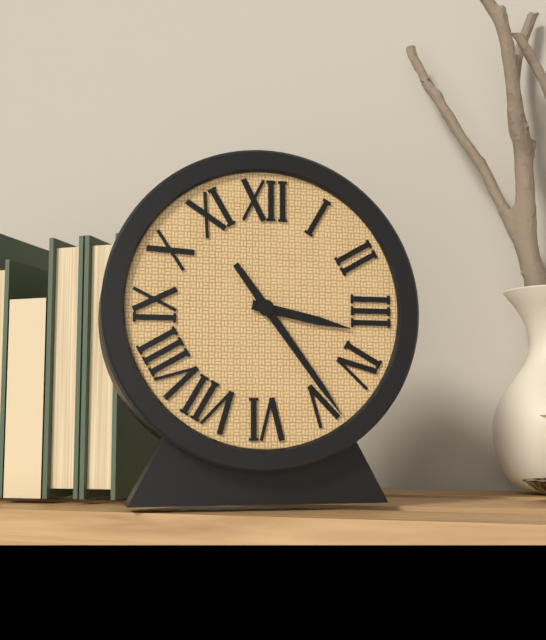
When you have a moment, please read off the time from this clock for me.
3:24
